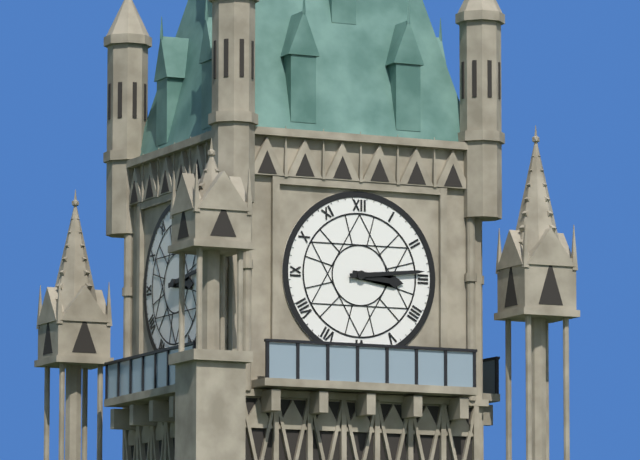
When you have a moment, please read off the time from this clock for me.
3:14
